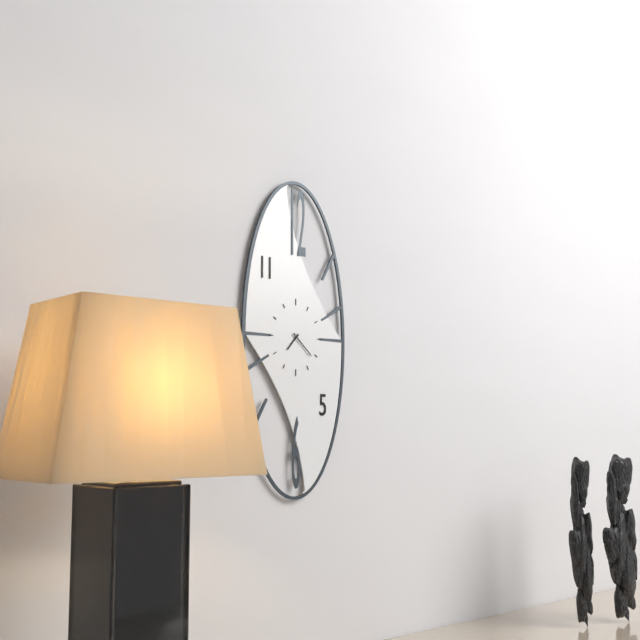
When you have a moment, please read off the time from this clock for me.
7:22
